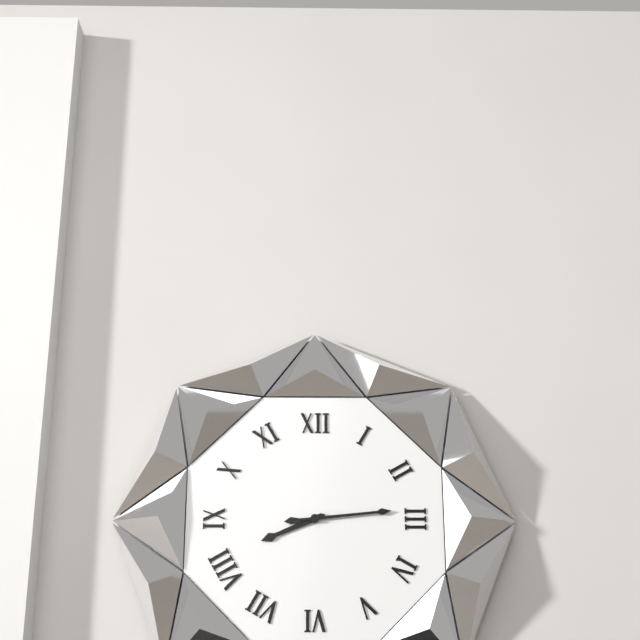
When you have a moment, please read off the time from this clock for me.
8:14
